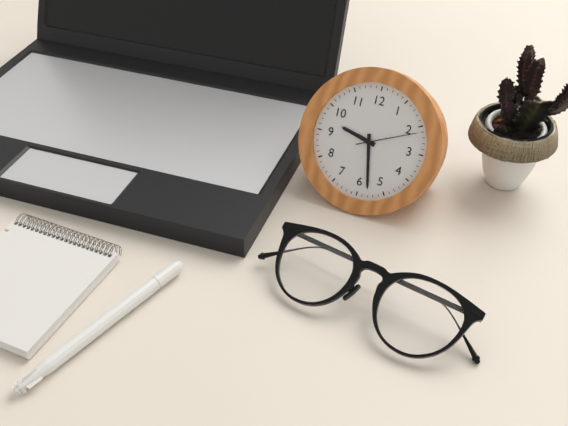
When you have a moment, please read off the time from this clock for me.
9:28:11
